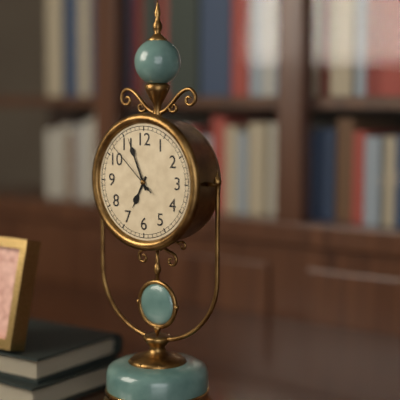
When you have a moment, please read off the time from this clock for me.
6:56:52
